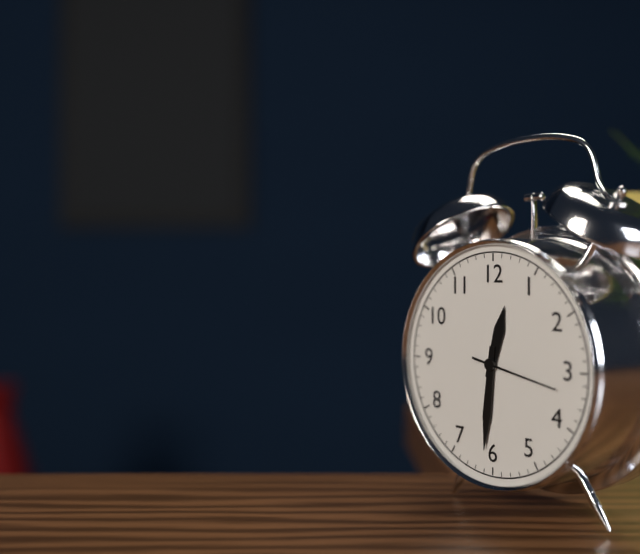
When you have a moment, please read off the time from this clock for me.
12:31:17
